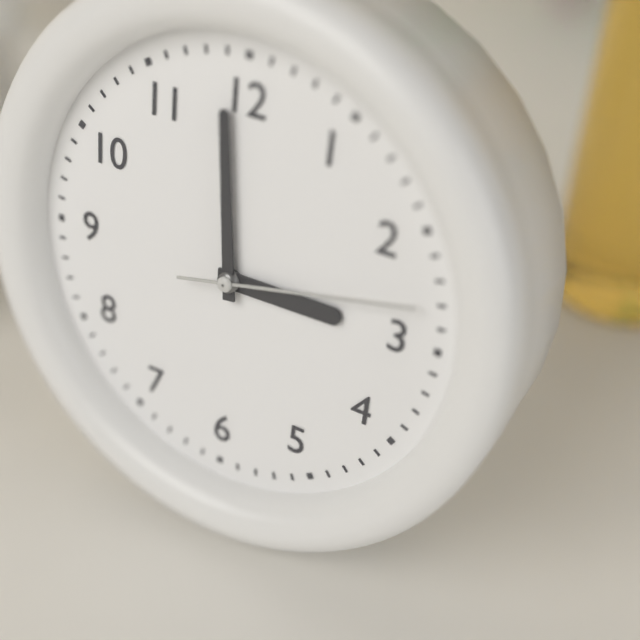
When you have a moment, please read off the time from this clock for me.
2:59:13
